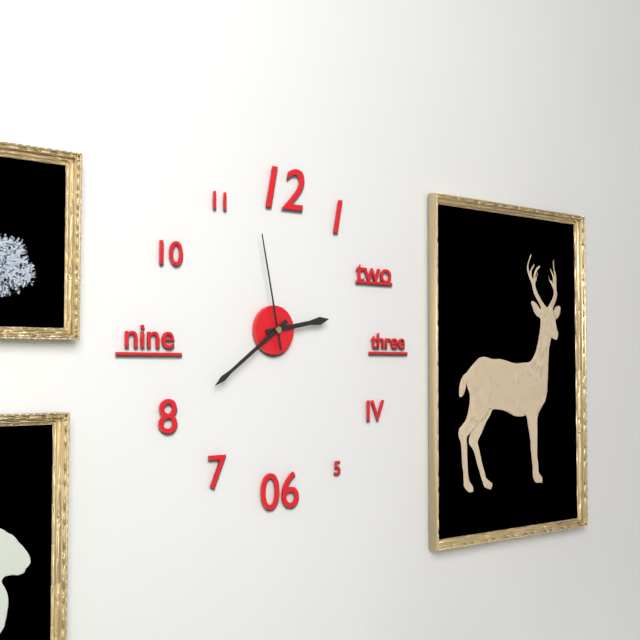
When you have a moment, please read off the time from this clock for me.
2:39:58
